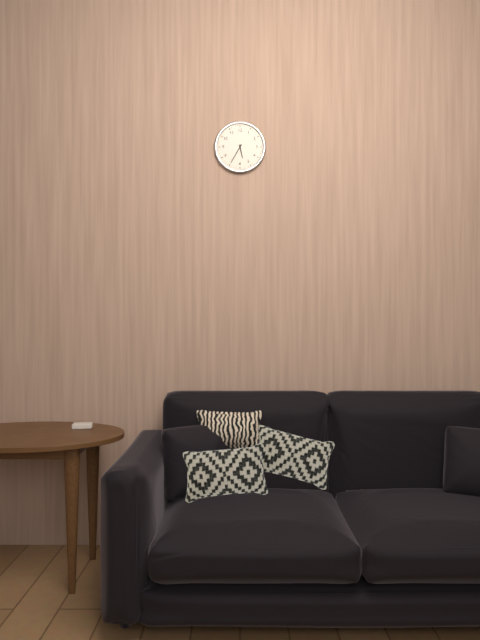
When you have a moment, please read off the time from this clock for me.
5:35
